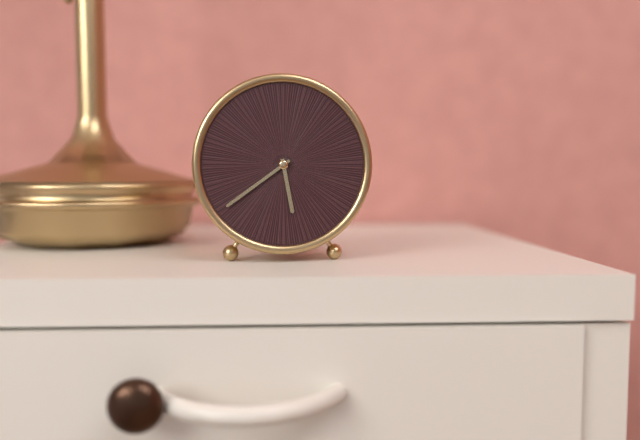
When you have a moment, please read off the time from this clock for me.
5:39
